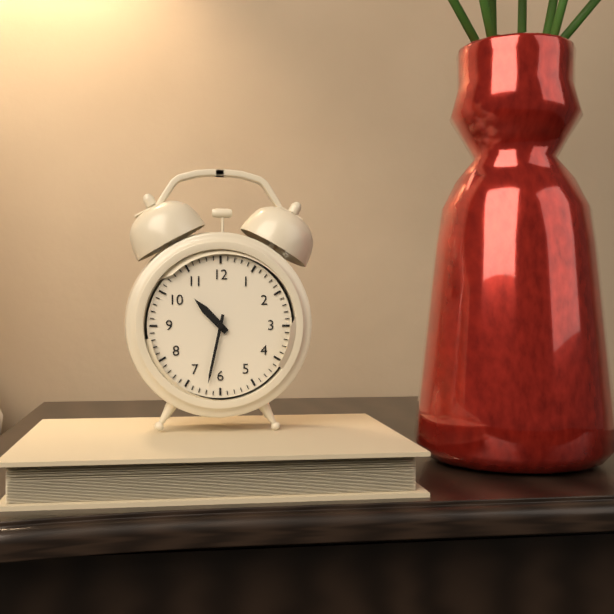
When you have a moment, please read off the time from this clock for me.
10:32
